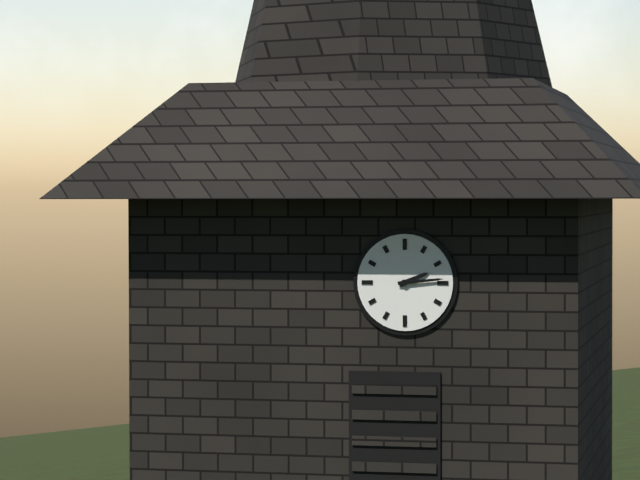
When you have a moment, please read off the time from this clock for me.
2:14
